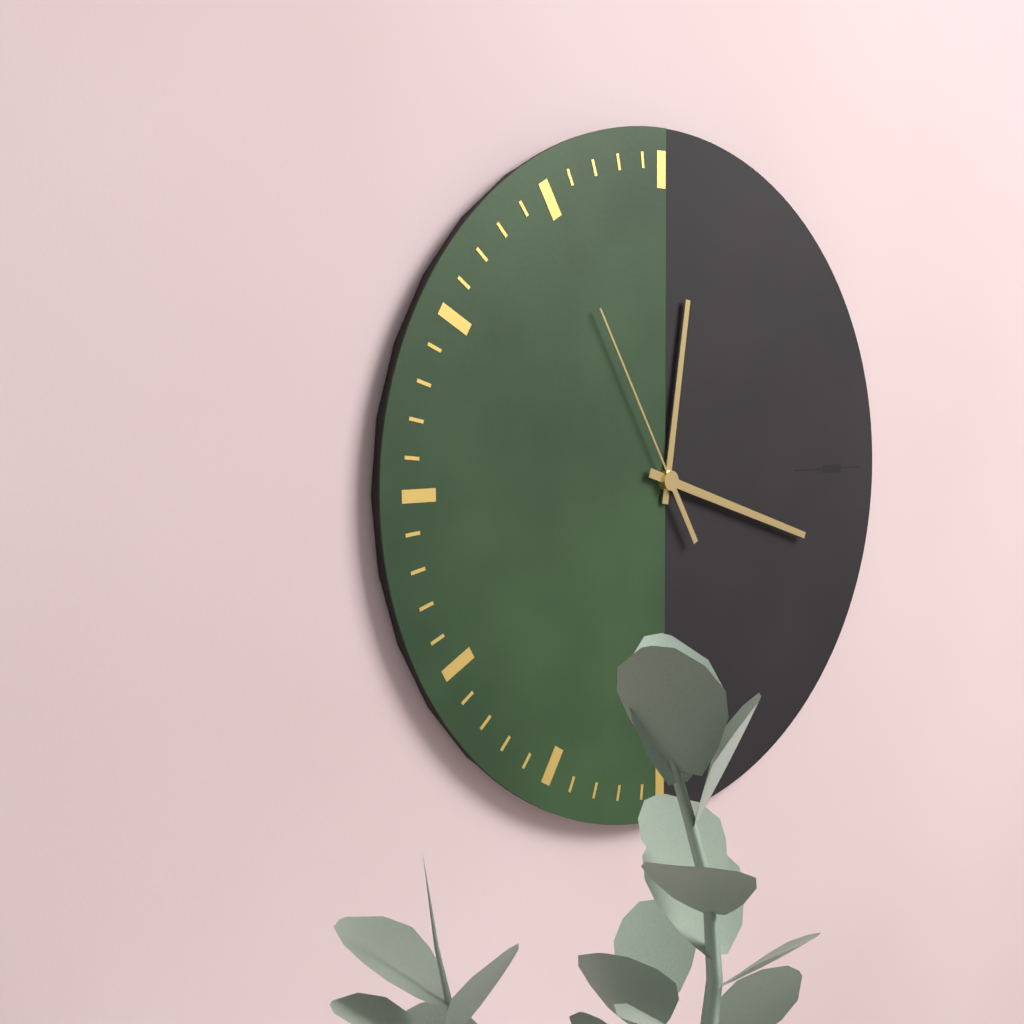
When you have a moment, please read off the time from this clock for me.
12:18:55
